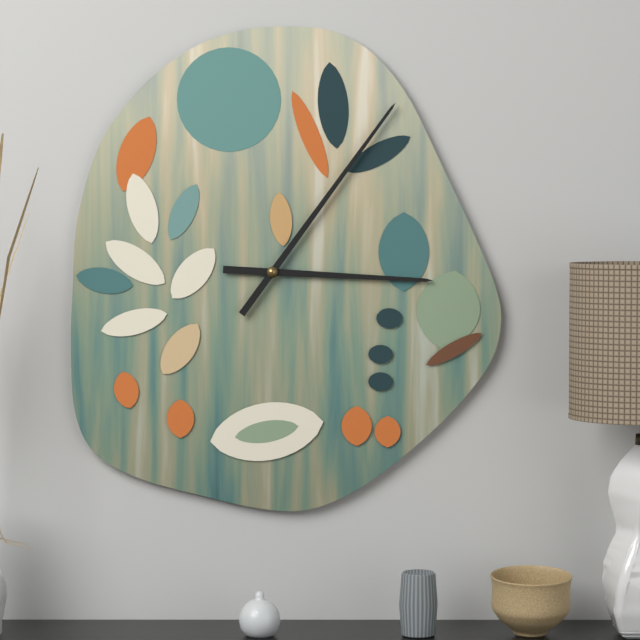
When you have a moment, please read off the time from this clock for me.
3:06
